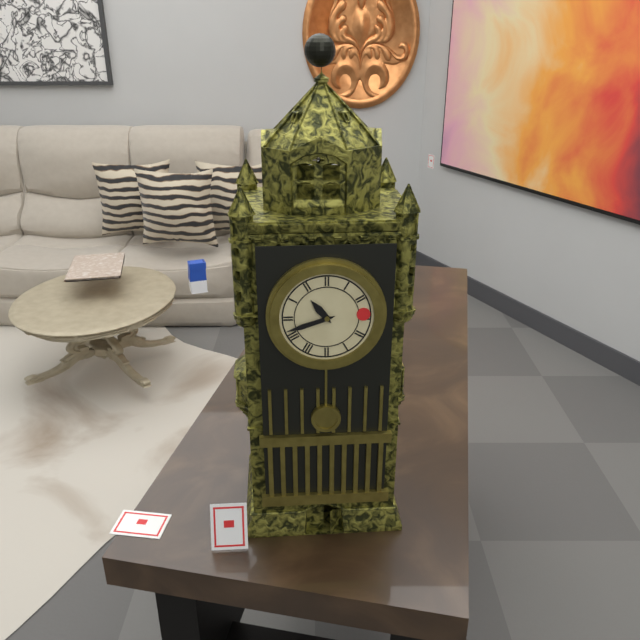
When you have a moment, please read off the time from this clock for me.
10:42
